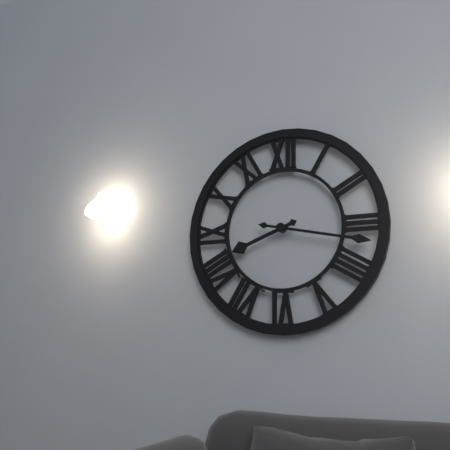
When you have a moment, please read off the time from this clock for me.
8:17
